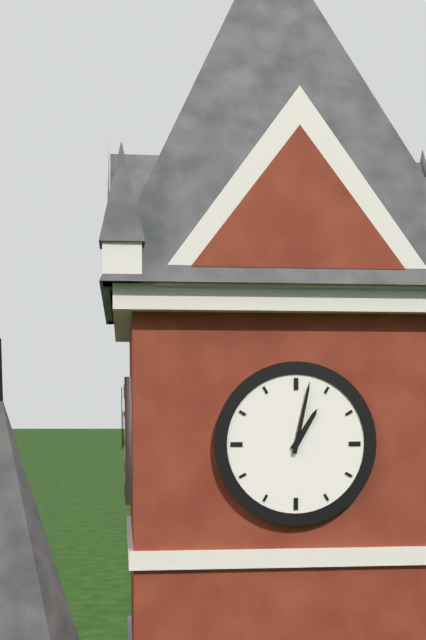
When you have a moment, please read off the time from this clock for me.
1:02
